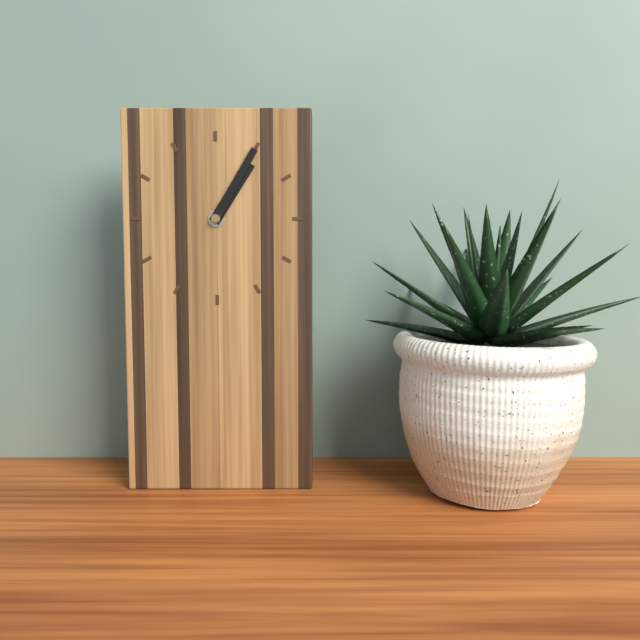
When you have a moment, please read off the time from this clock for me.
1:05
